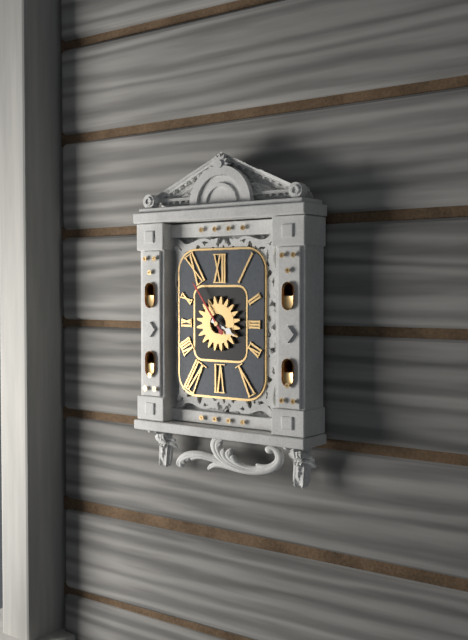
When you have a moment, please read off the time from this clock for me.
3:54
